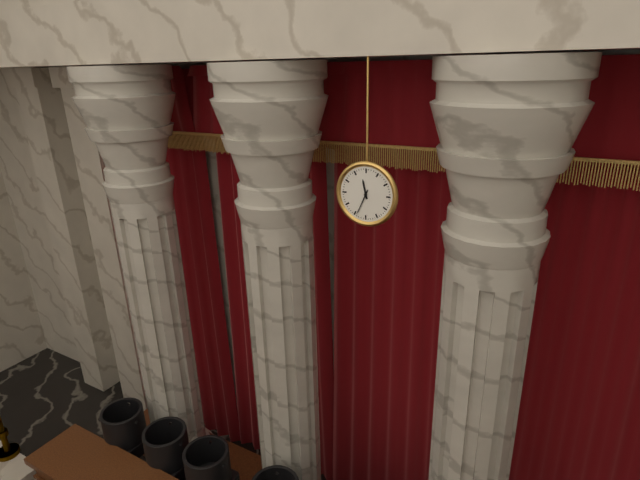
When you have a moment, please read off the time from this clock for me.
11:34
